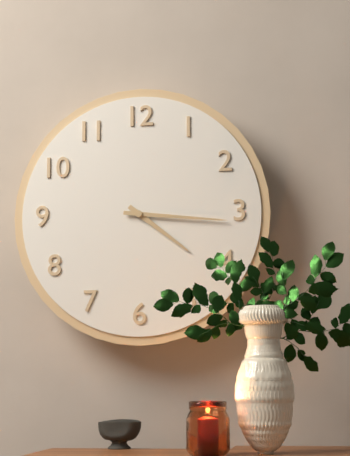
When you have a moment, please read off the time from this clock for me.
4:16
